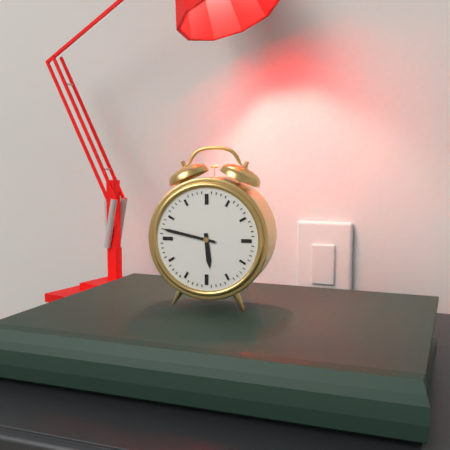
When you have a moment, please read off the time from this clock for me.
5:47
